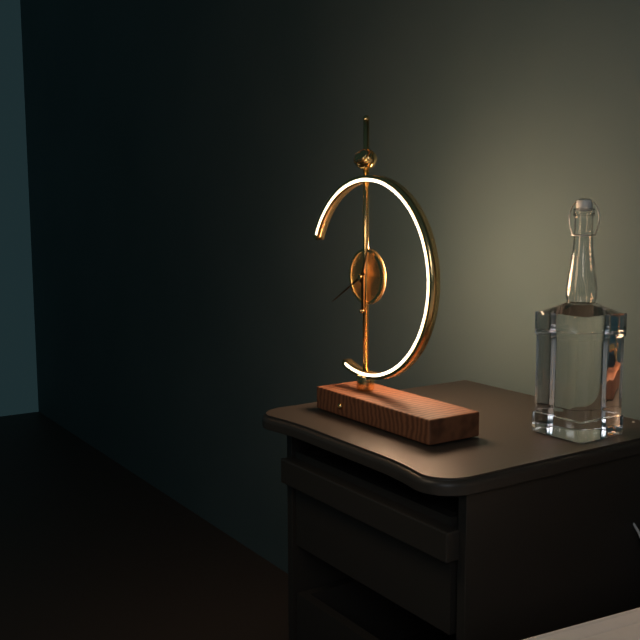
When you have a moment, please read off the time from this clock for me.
12:40
